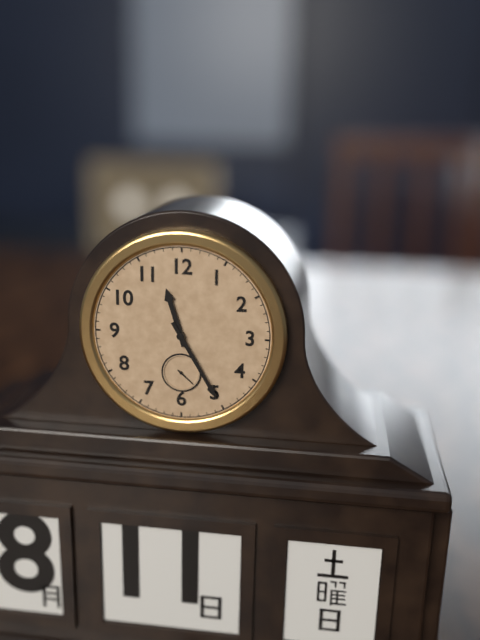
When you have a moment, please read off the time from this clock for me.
11:25
